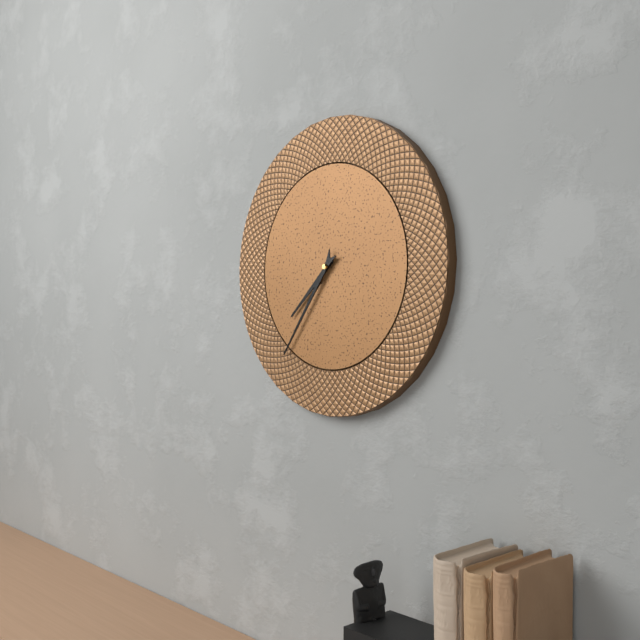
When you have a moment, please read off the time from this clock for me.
7:36
